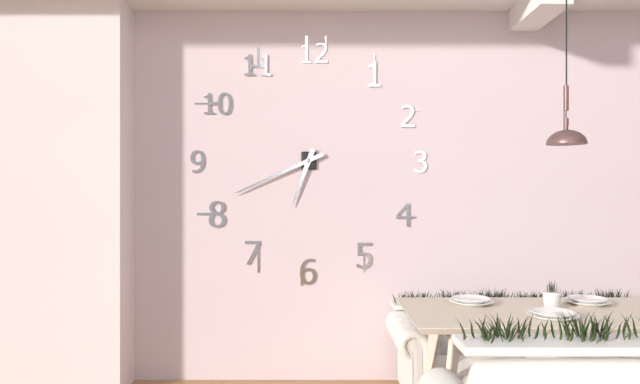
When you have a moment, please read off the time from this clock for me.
6:41
